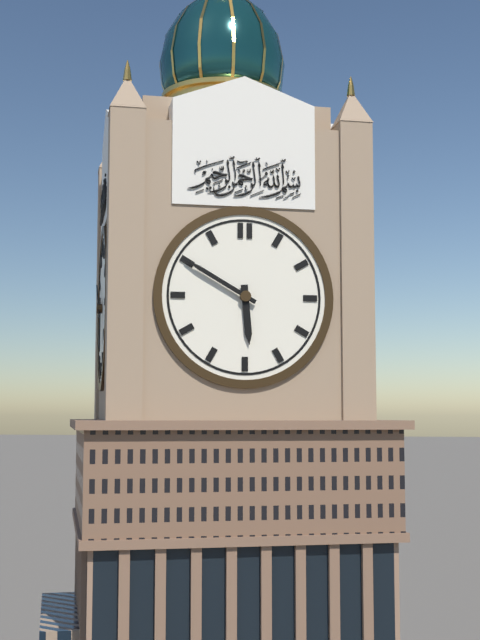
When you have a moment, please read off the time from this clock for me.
5:50
